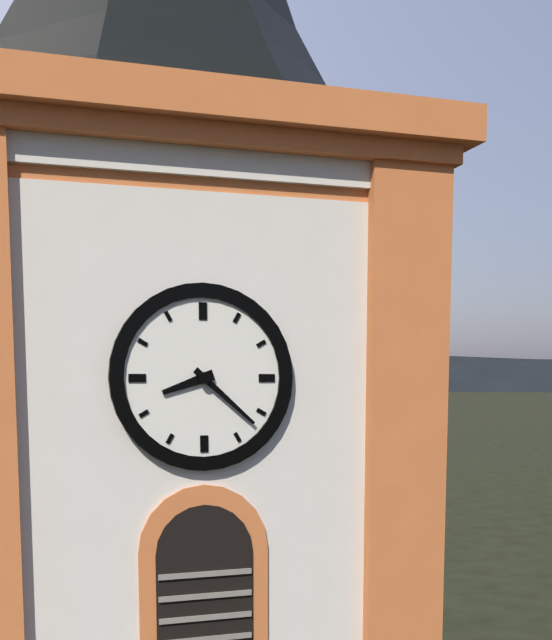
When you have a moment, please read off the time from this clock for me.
8:22
